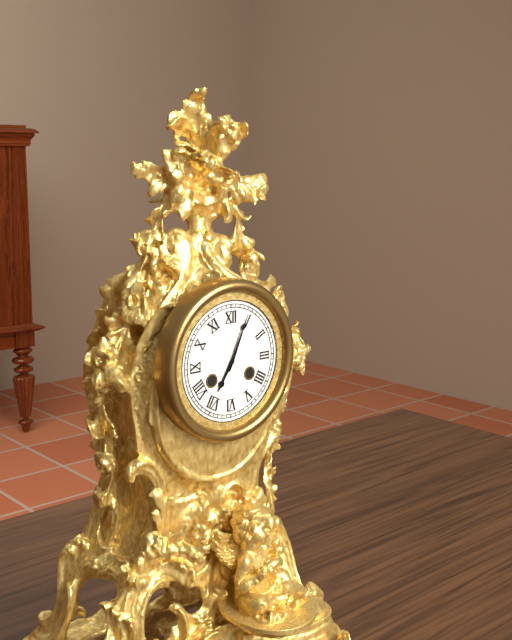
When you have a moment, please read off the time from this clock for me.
7:04
